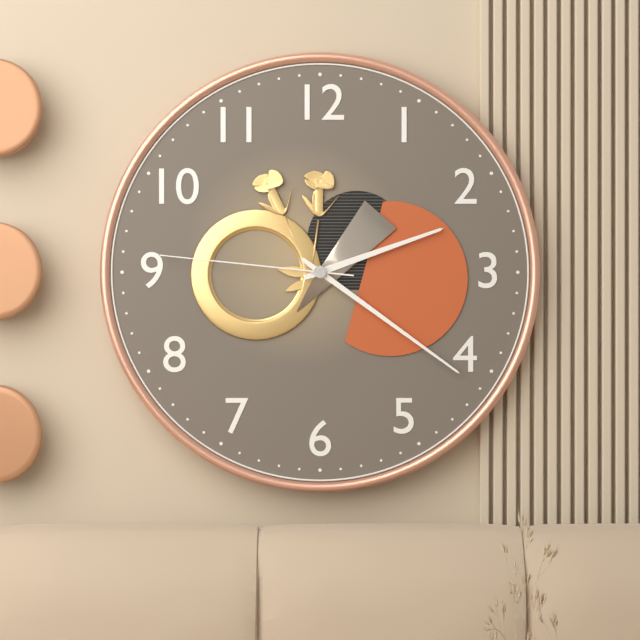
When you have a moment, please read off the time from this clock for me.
2:21:46
